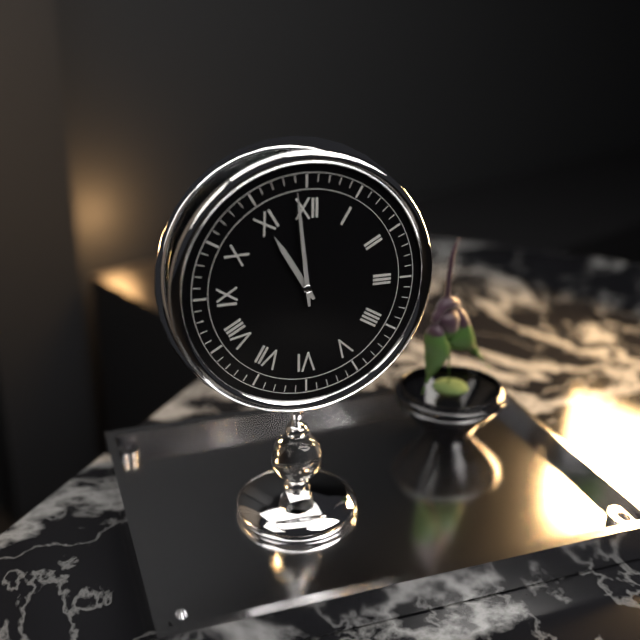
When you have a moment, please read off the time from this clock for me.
10:59
